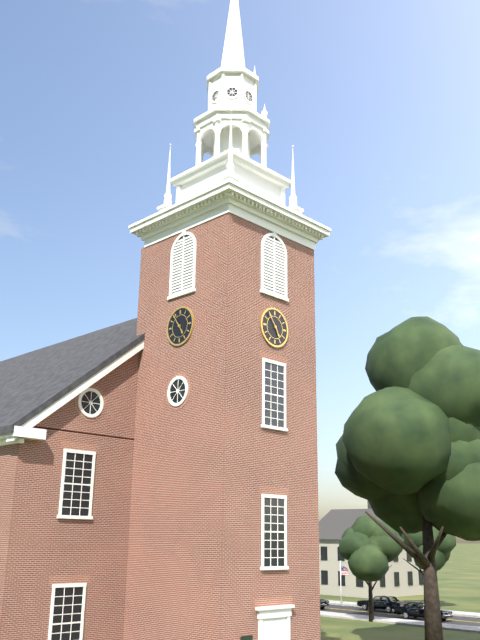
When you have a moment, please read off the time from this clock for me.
4:54
